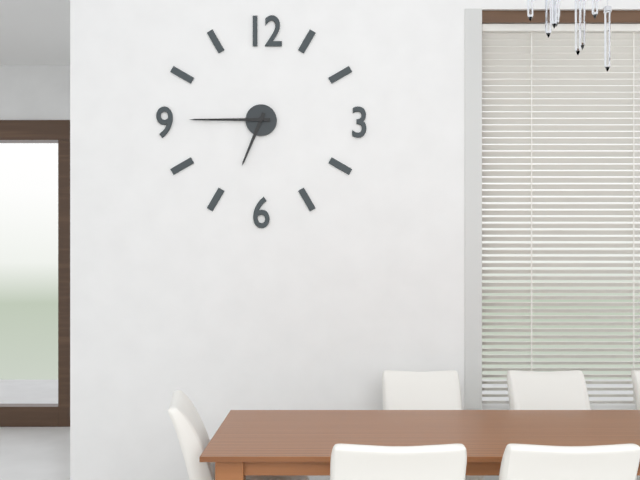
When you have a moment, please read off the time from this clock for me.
6:45
